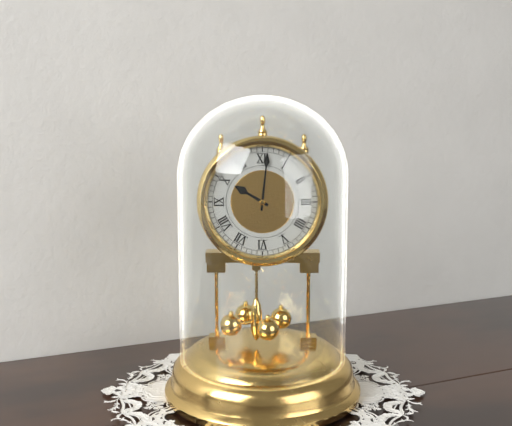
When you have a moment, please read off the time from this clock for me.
10:01
